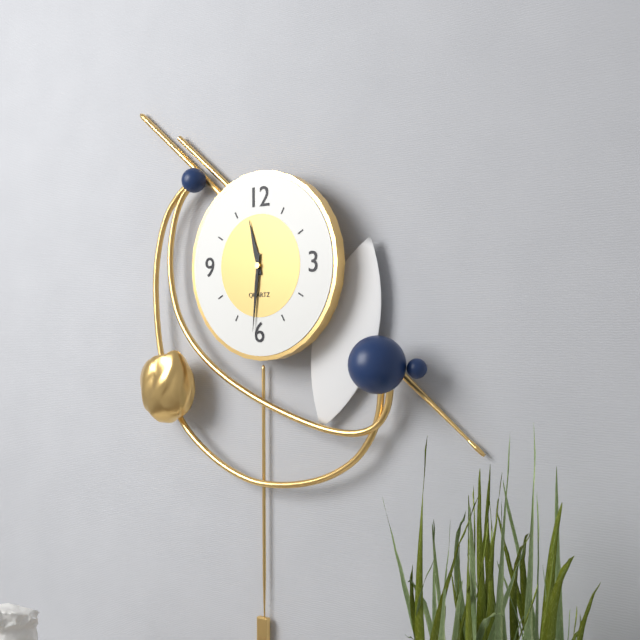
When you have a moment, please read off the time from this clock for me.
11:31
